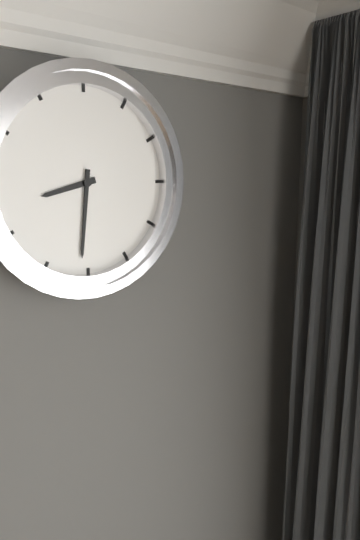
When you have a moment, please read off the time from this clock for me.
8:31
